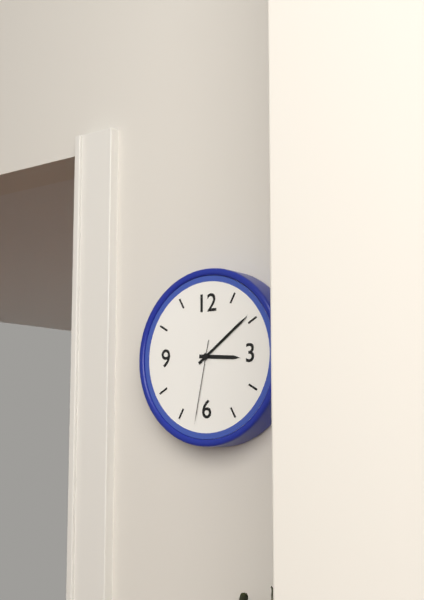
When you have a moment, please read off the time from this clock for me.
3:09:32
